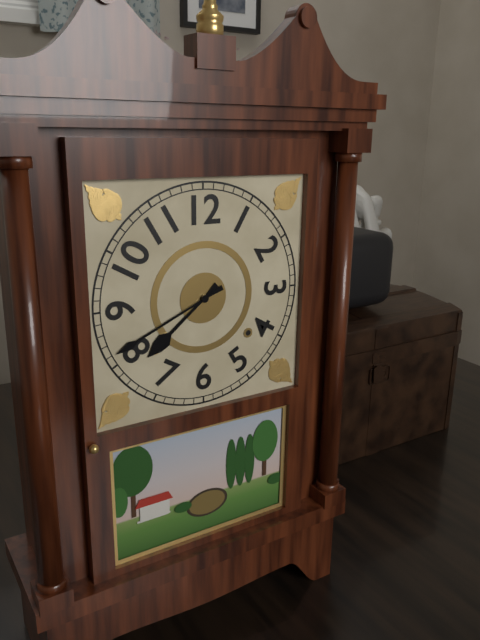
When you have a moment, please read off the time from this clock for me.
7:41
